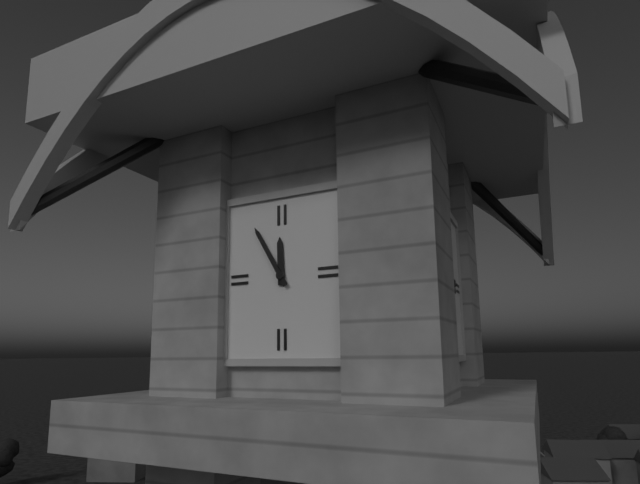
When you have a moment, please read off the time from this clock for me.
11:55
